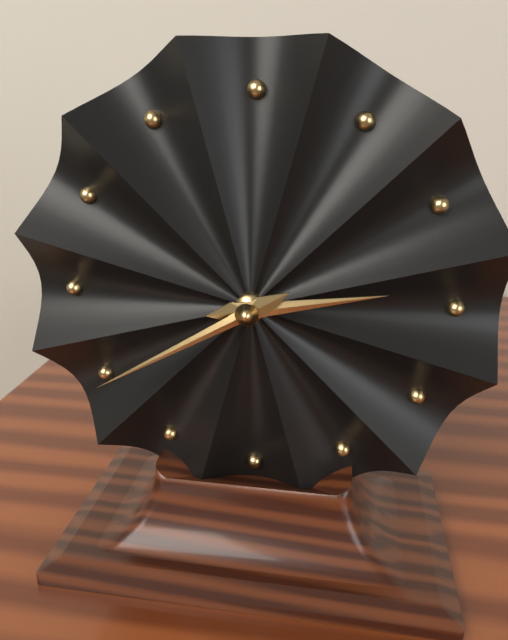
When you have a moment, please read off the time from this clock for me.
2:40
